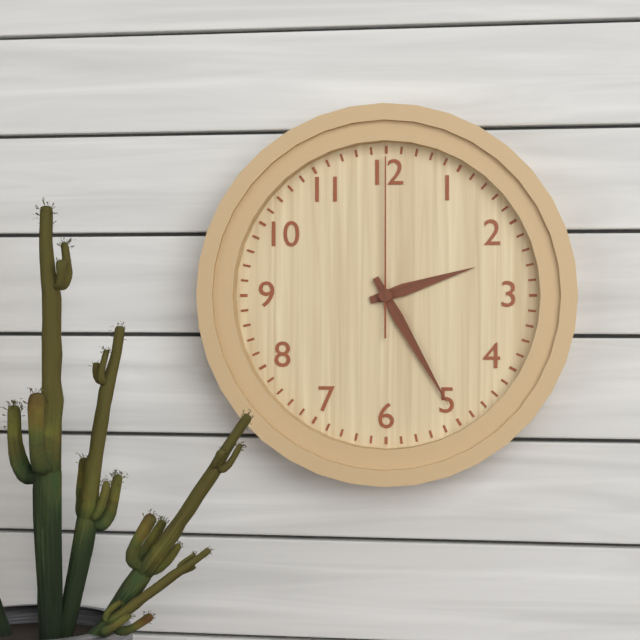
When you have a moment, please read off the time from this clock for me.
2:25:00
